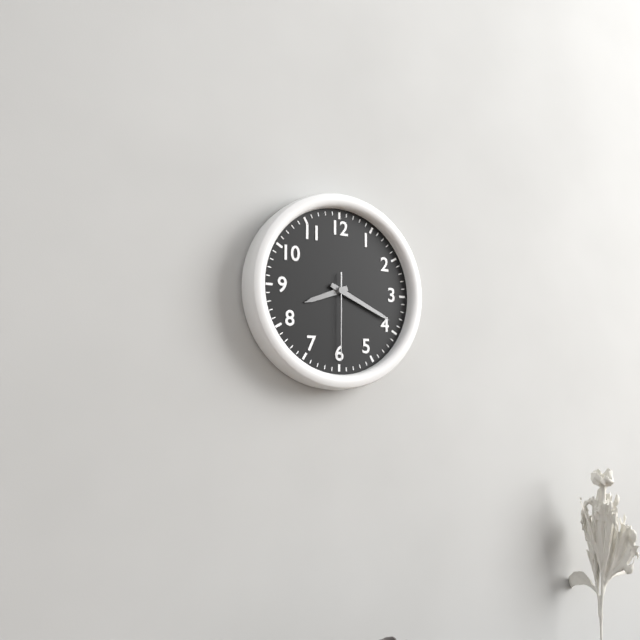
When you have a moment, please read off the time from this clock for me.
8:19:30
